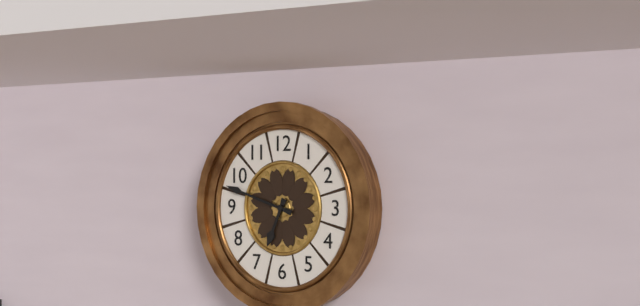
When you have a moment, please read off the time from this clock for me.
6:48
